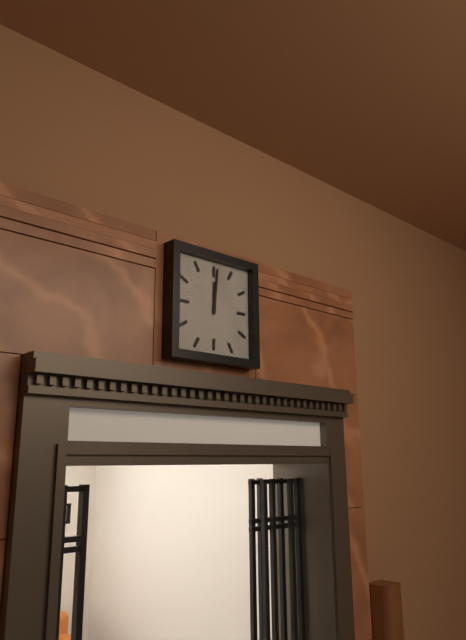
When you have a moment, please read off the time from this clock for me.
12:01
